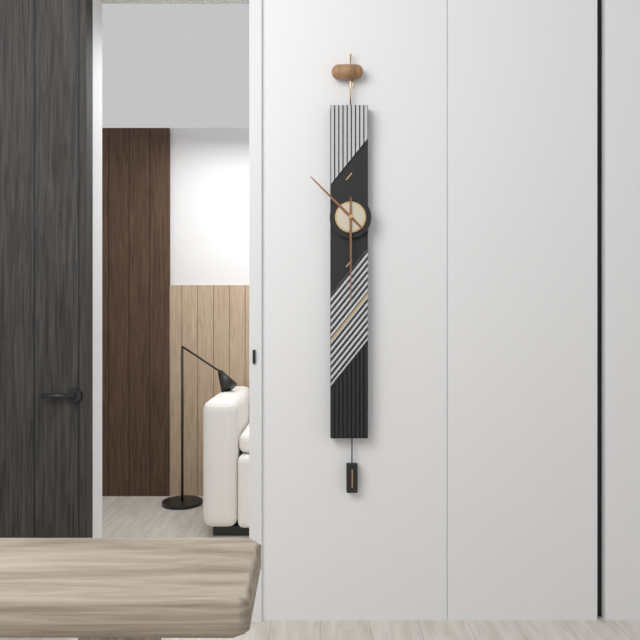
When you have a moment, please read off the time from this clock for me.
10:30
